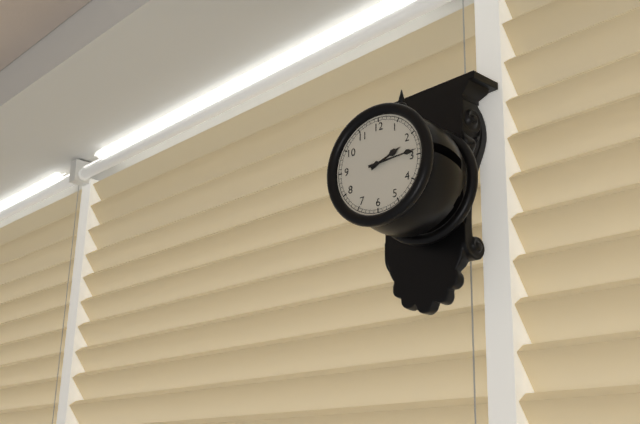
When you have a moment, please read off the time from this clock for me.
2:14
